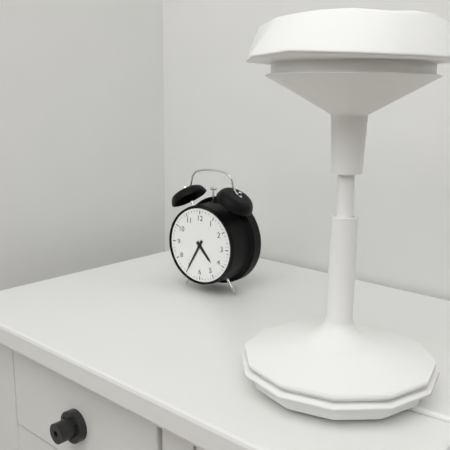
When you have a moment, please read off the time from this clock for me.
4:35
